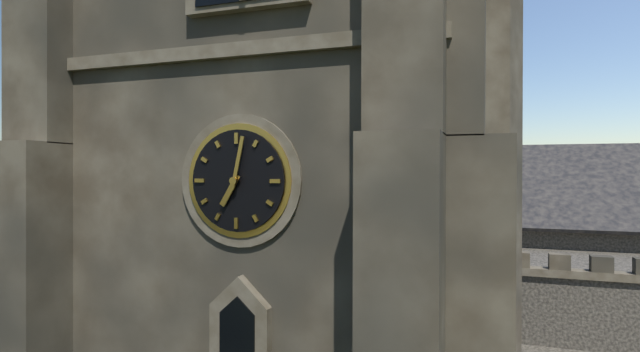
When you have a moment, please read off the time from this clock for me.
7:02
